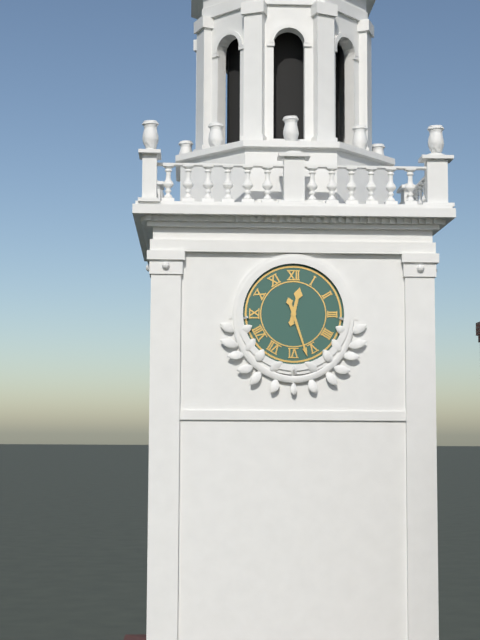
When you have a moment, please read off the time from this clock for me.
12:27
